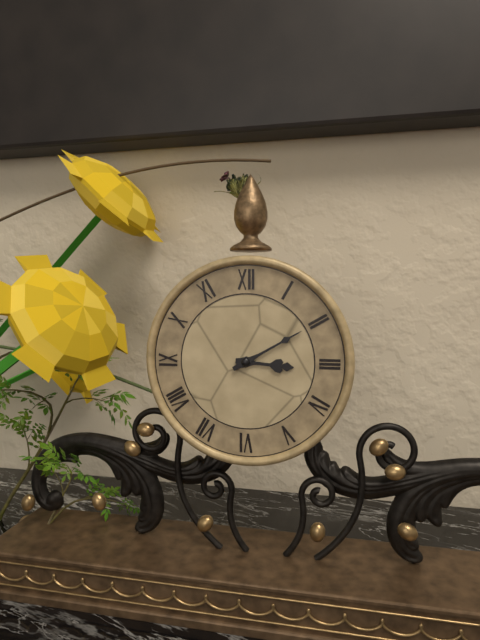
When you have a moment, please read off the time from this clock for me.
3:10
